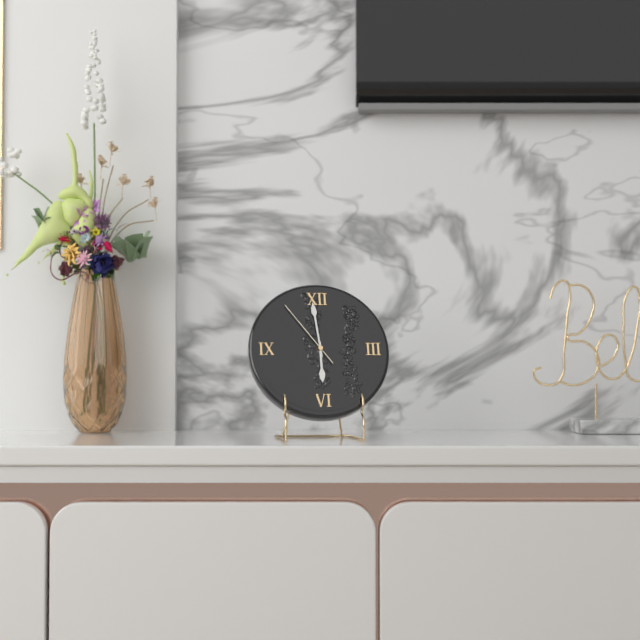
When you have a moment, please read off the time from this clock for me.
5:59:54
